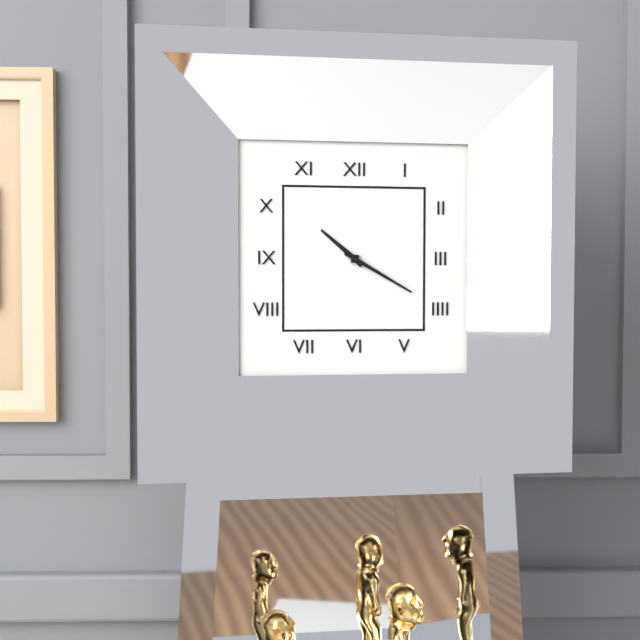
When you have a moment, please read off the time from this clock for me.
10:20
